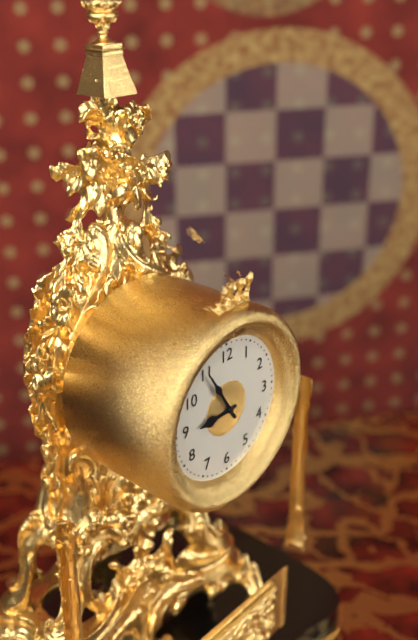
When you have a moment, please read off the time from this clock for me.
8:55
